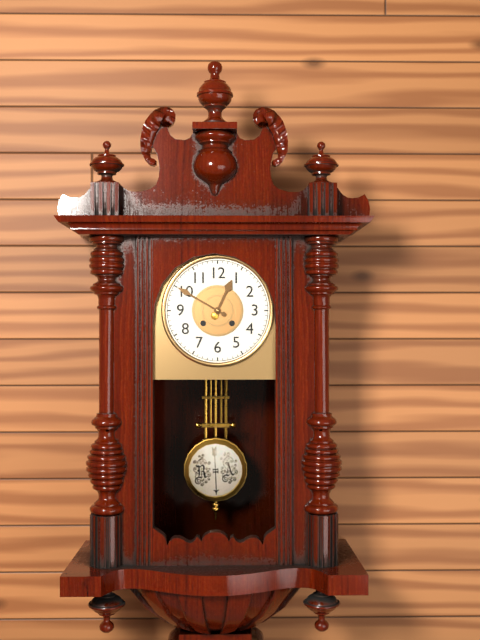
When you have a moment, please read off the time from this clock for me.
12:50
